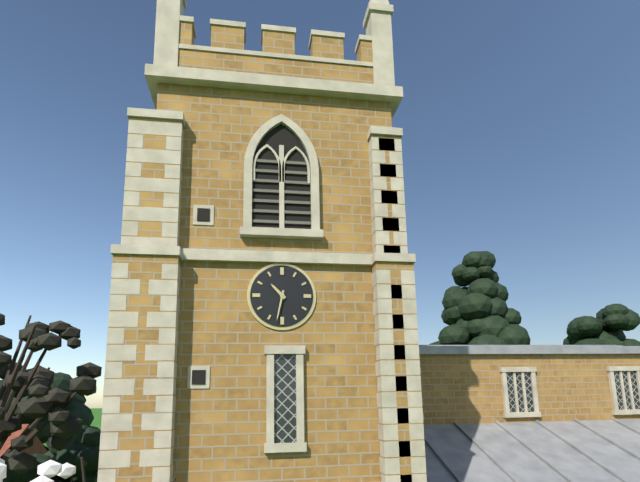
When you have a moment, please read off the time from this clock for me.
10:32
